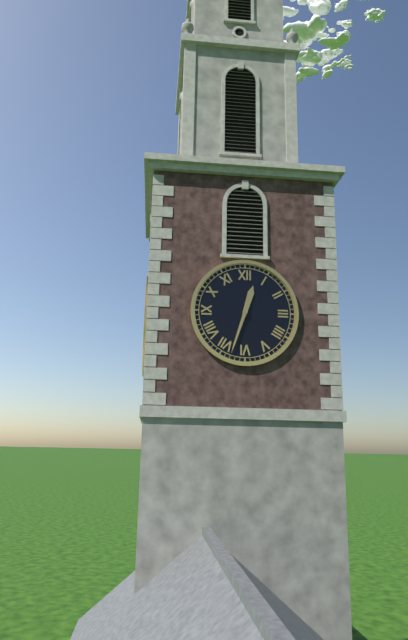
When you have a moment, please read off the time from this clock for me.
12:33
